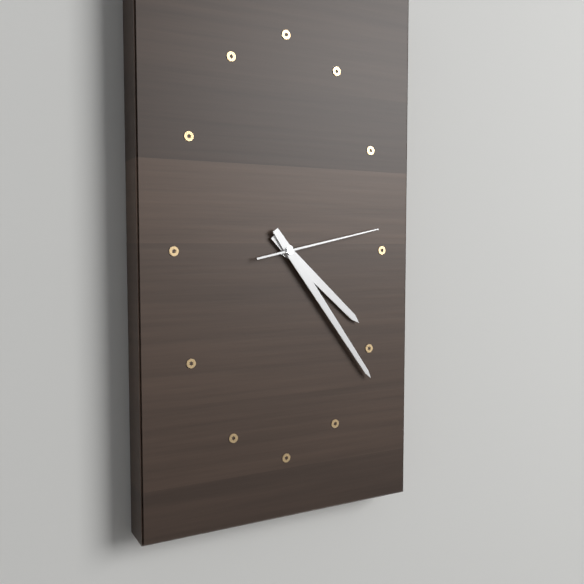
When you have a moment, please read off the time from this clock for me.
4:24:13
